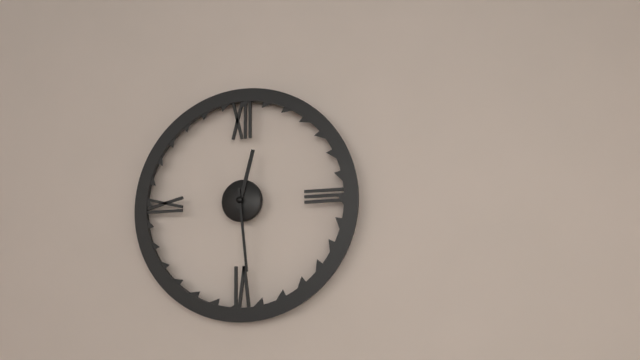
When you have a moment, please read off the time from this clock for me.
12:29
